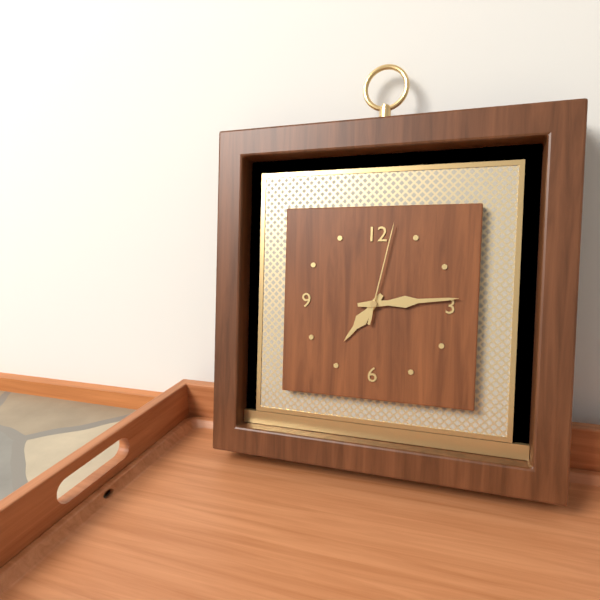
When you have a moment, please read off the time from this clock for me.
7:14:02
